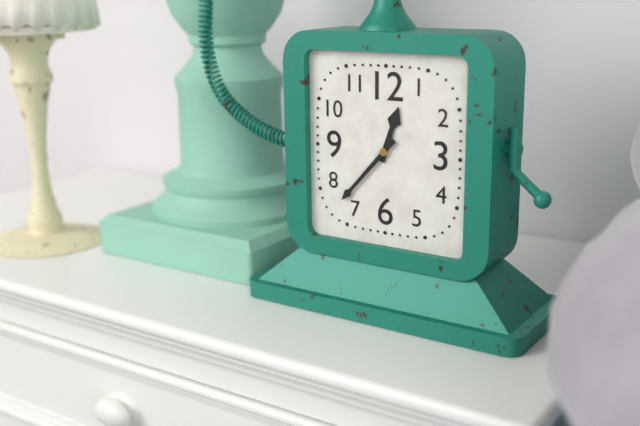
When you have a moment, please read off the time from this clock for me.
12:37
